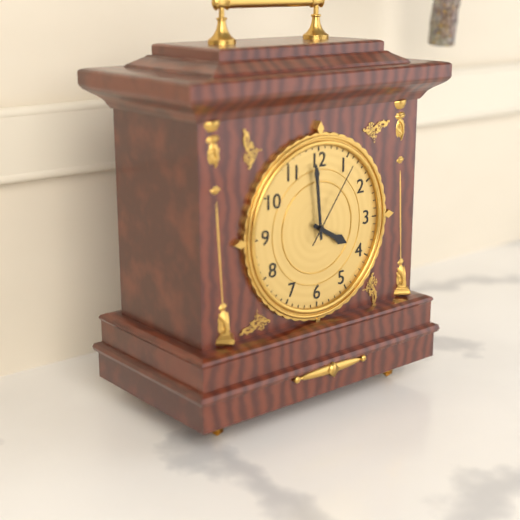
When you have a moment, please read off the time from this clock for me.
3:59:06
